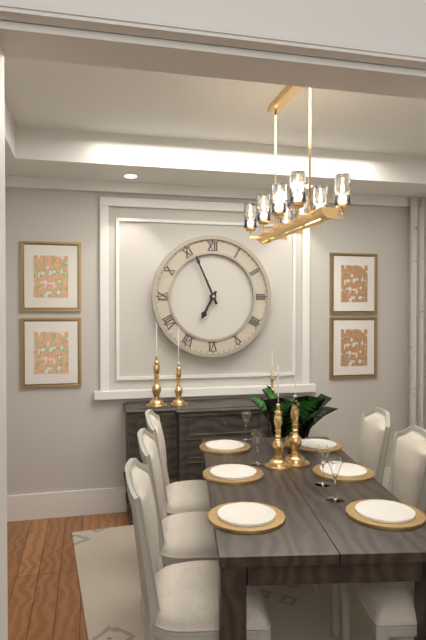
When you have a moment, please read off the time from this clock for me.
6:56
